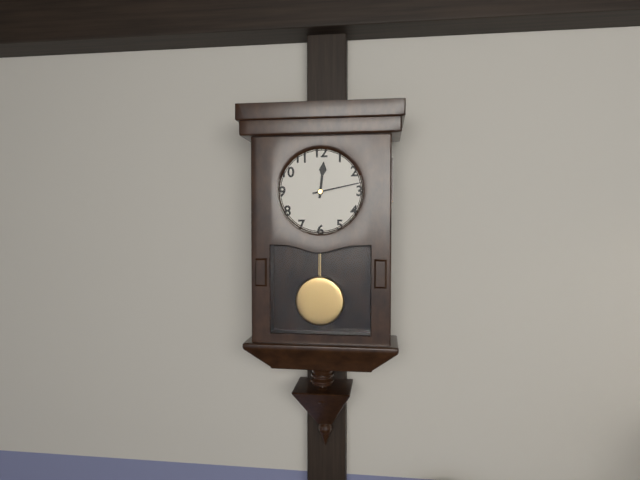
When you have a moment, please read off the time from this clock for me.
12:13
